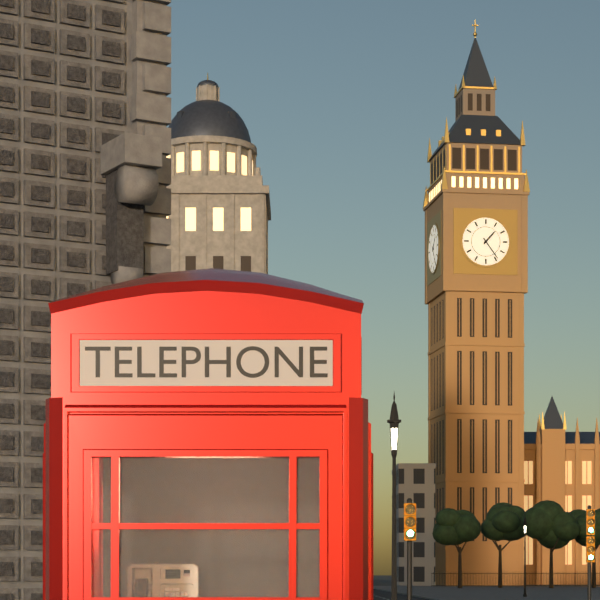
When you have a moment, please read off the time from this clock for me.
1:24
